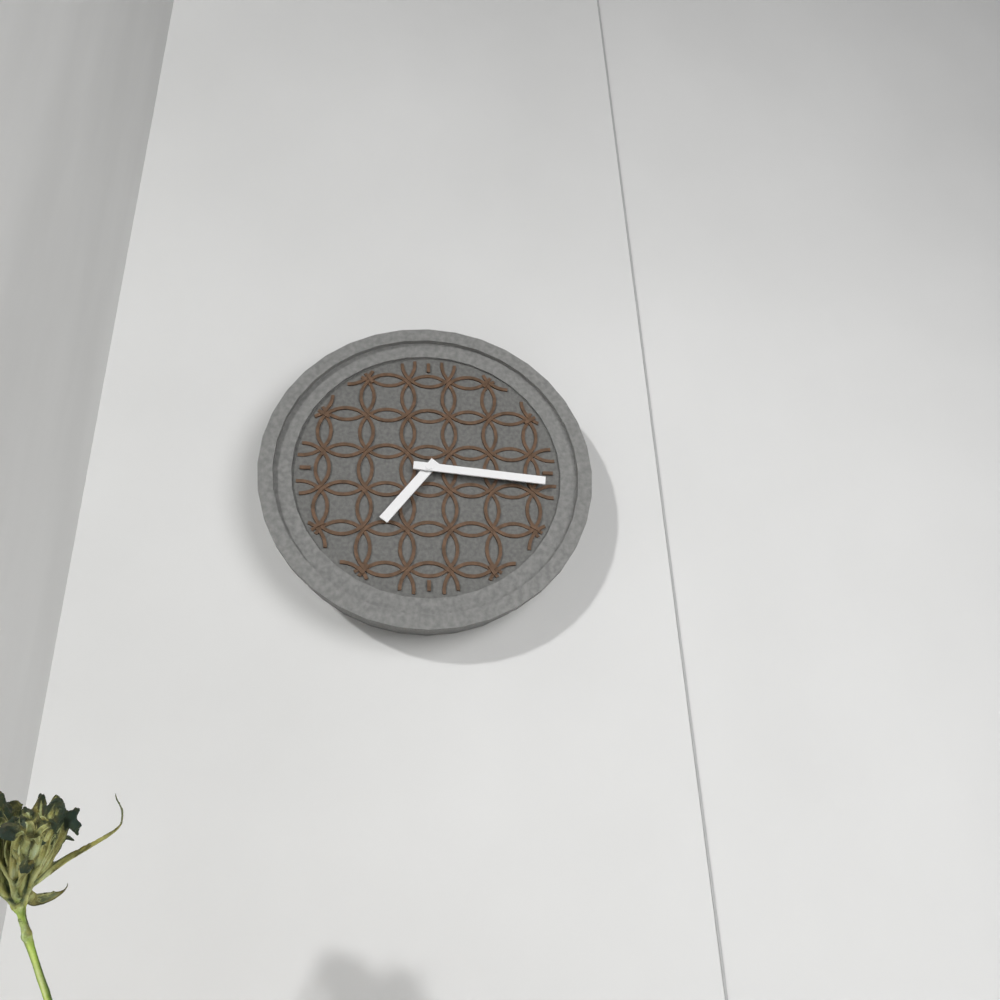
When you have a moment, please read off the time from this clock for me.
7:16
